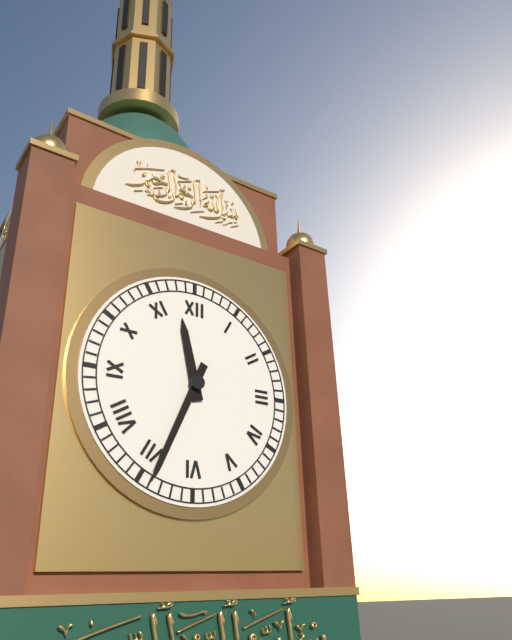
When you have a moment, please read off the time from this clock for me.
11:34
